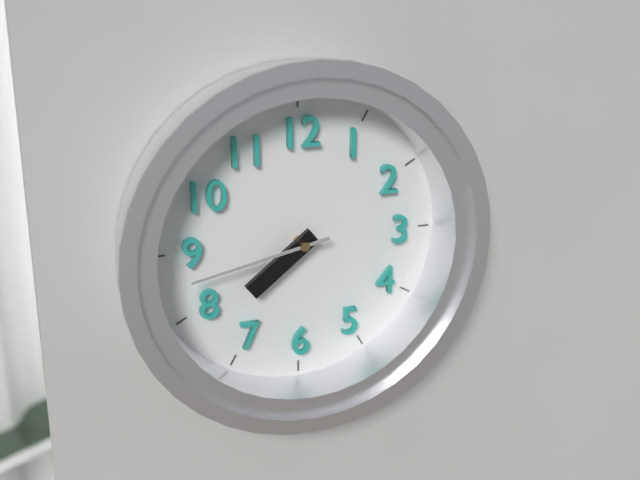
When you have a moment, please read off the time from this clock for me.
7:43
